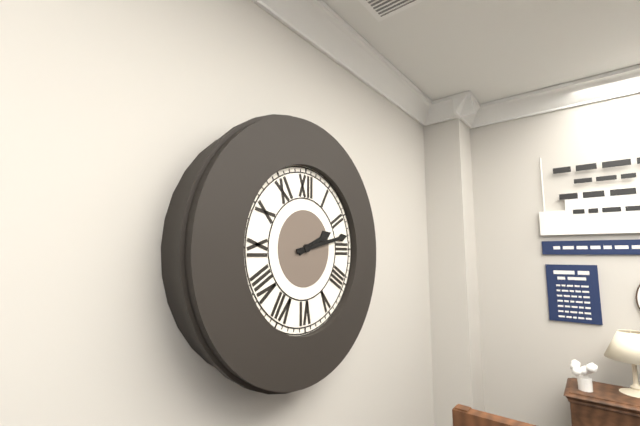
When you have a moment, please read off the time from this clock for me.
2:13
